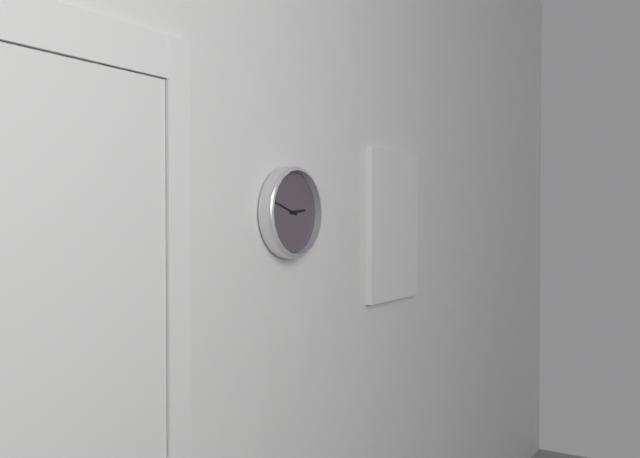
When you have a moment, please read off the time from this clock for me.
2:48
